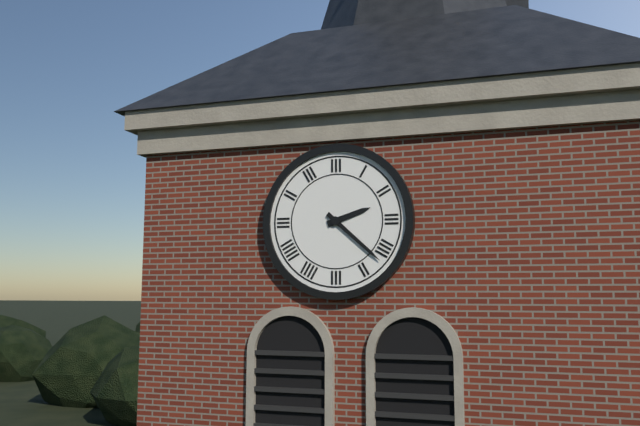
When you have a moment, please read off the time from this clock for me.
2:22
